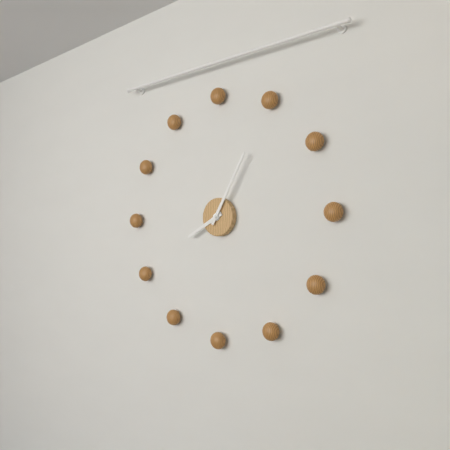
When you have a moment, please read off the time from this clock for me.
8:05
